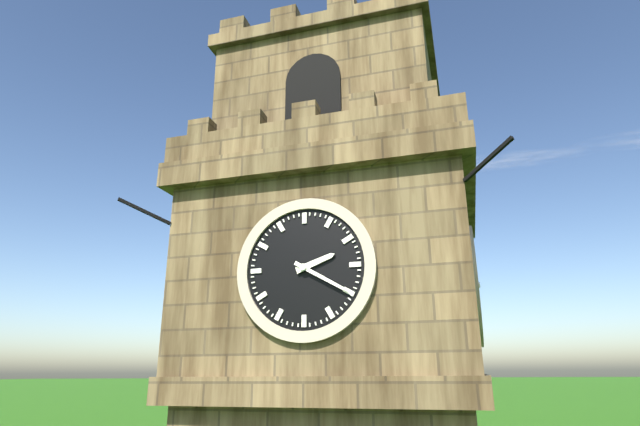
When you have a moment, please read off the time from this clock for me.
2:20
